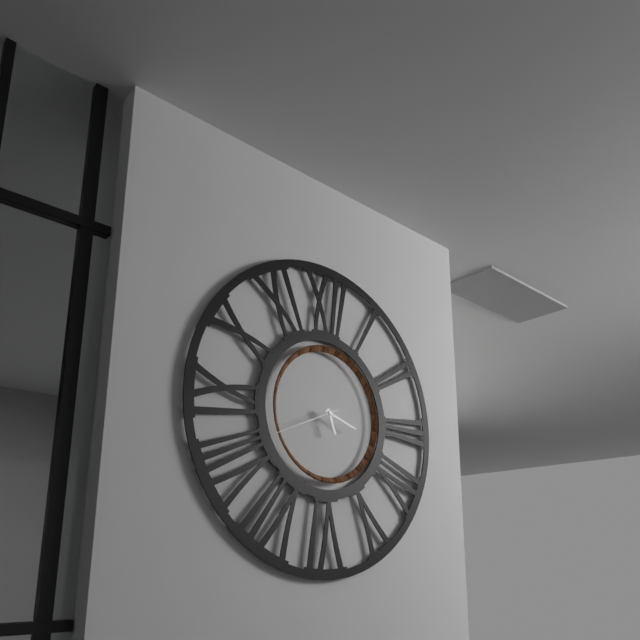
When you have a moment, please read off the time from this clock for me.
5:18:41
